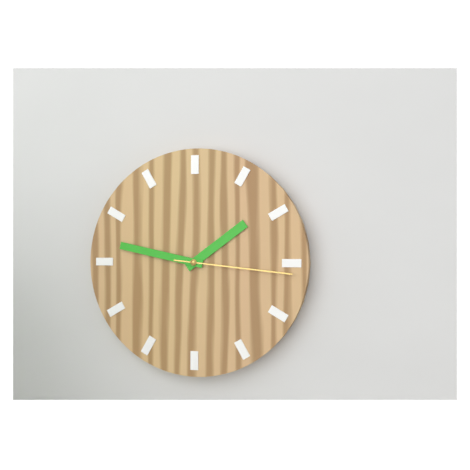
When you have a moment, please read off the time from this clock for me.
1:47:16
